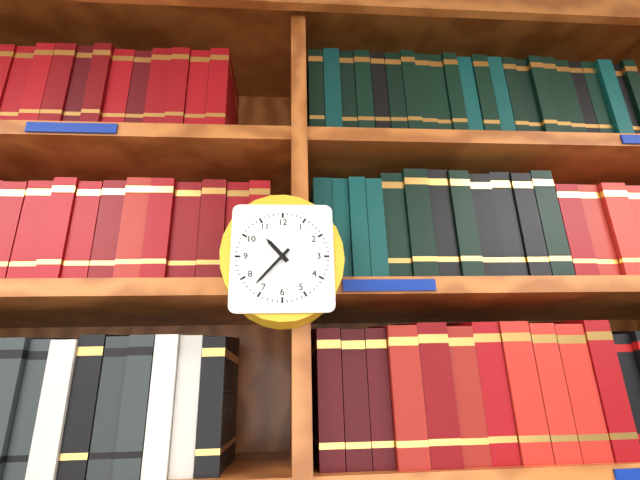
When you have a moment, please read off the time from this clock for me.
10:37
